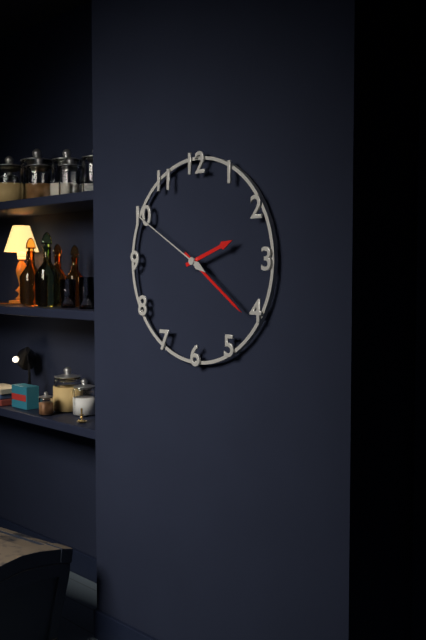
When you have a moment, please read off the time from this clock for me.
2:21:50
